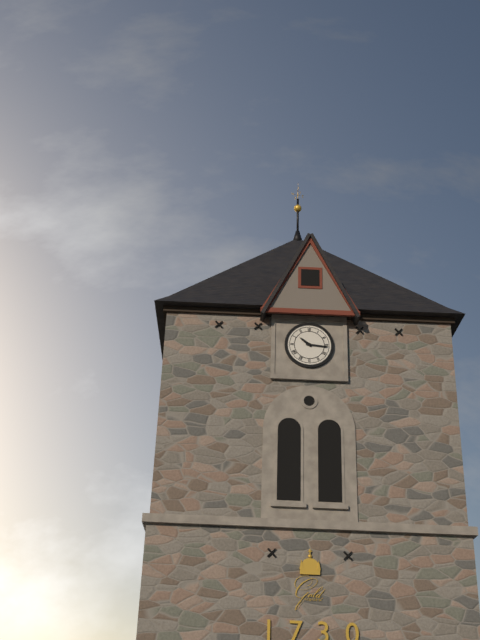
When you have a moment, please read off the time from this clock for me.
10:16
